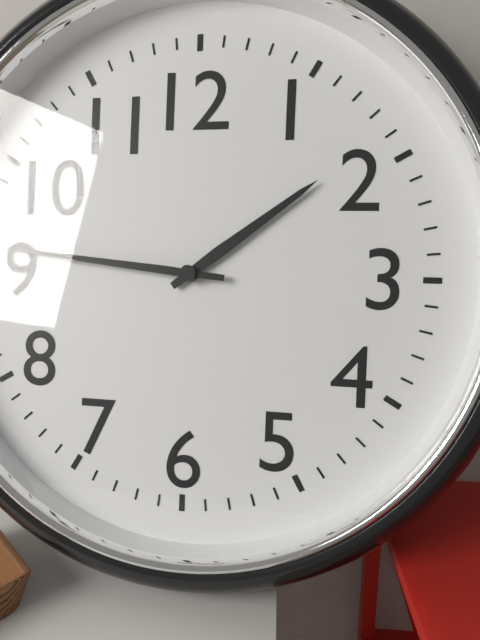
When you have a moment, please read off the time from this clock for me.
1:46
